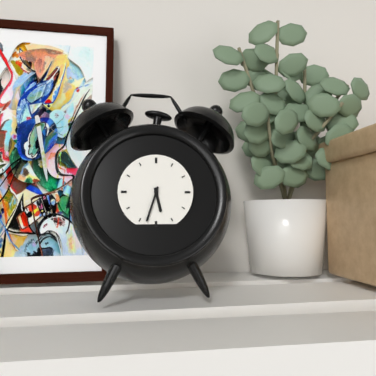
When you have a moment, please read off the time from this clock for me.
5:33
